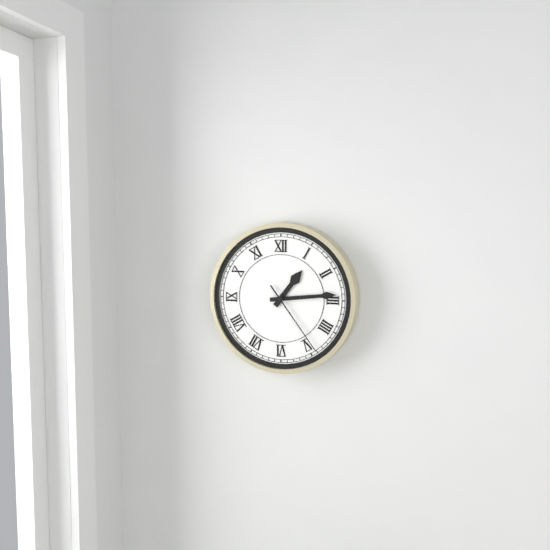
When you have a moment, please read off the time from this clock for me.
1:14:24
